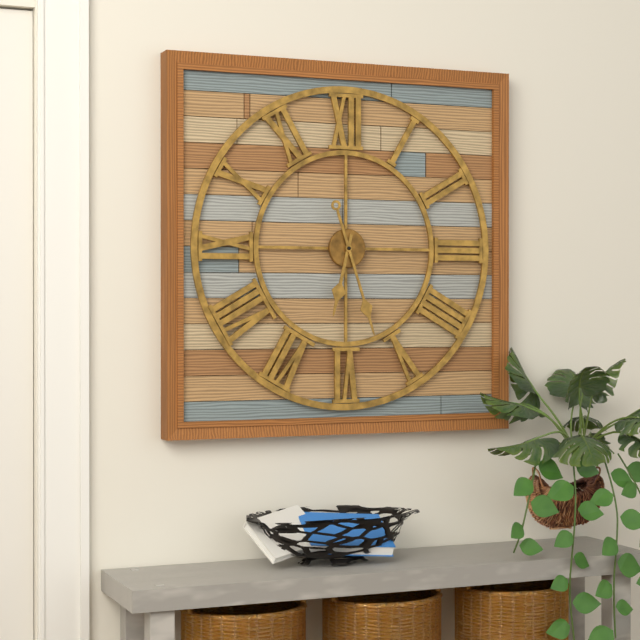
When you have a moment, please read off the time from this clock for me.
6:27
